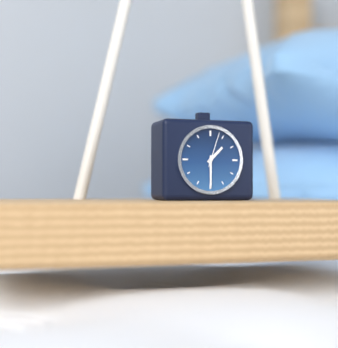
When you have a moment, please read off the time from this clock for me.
1:30
